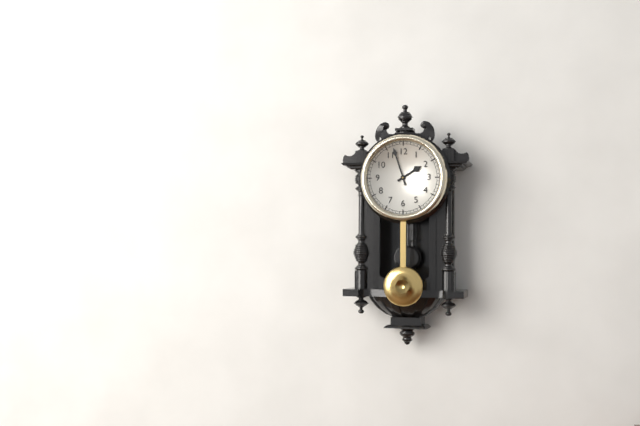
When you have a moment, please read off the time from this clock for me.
1:57
